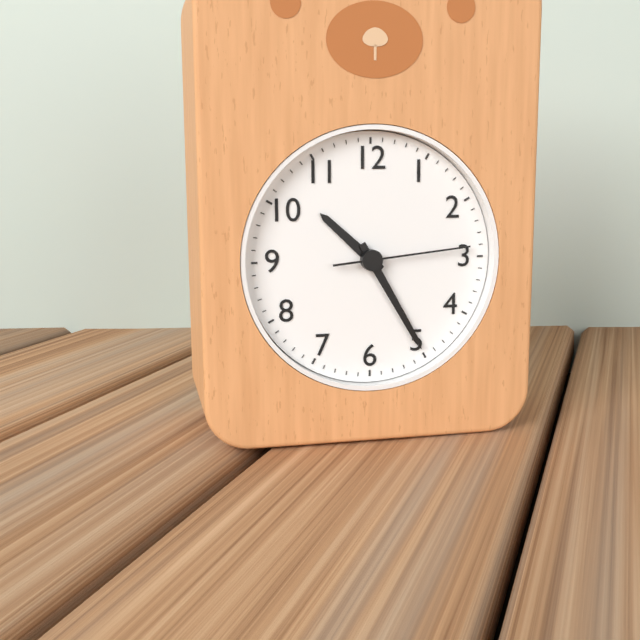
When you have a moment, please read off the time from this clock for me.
10:25:14
